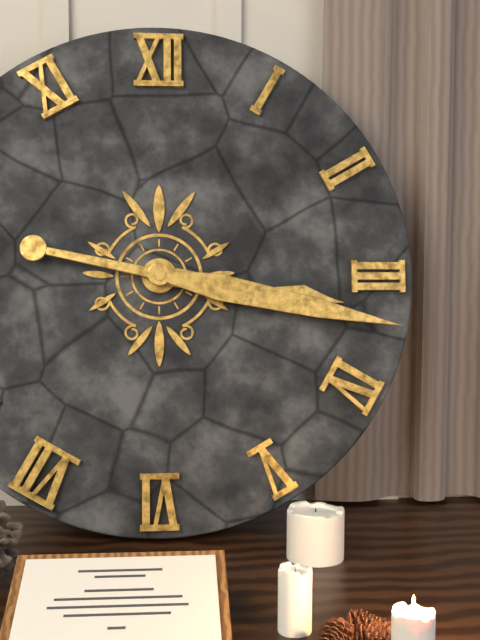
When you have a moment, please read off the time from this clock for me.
3:17
